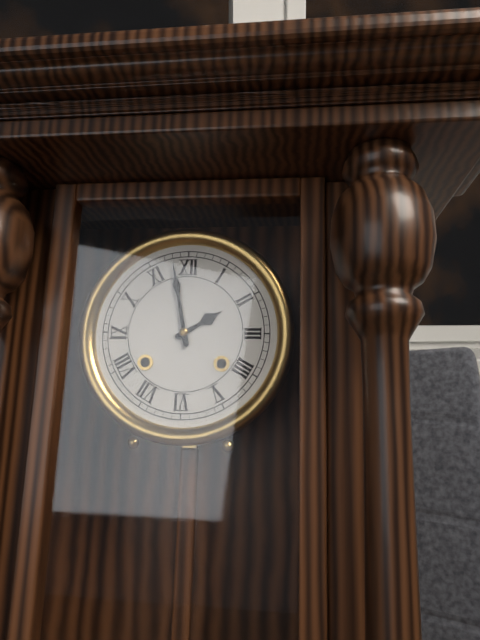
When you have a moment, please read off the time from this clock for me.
1:58
